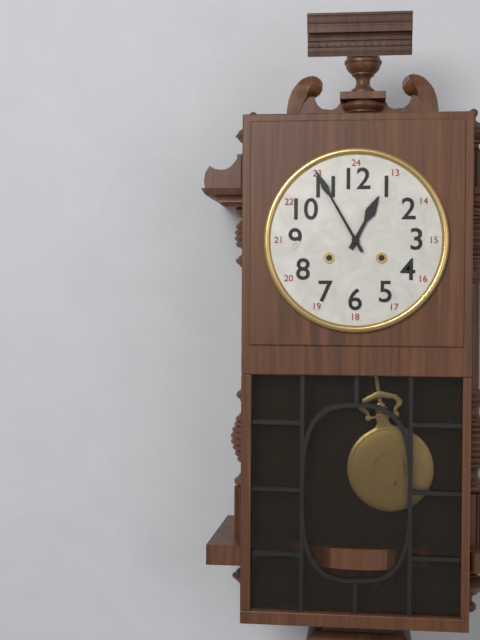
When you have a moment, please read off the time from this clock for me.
12:55
